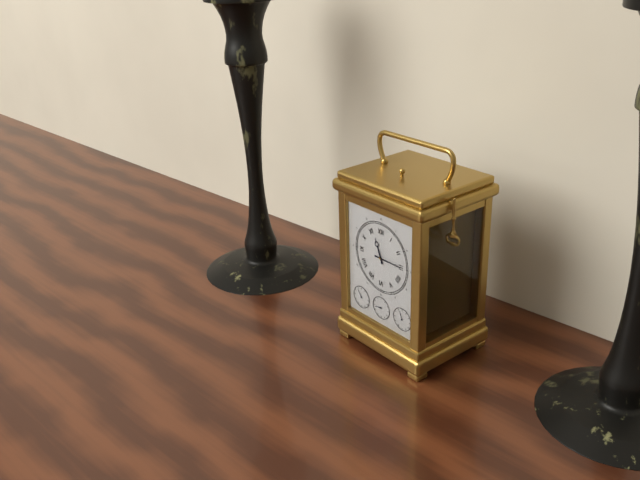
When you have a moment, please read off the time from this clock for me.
11:15
